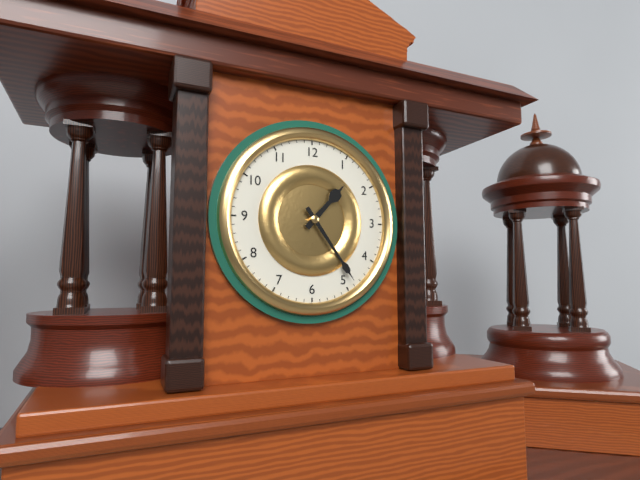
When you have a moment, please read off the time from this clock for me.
1:24
